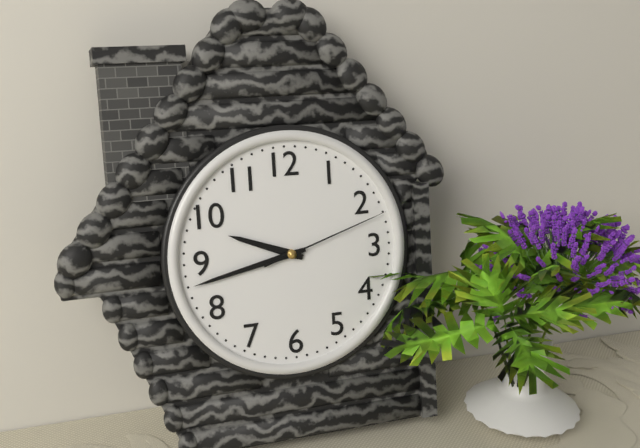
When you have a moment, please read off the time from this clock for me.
9:43:12
